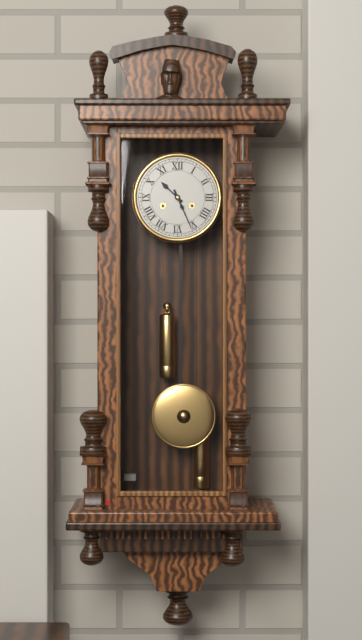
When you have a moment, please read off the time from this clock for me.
10:26
